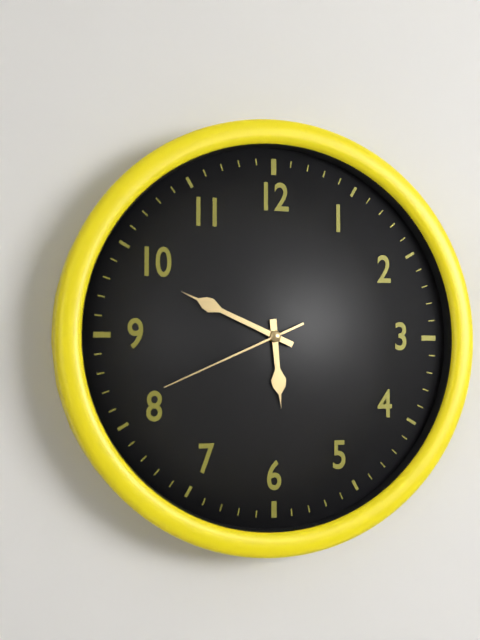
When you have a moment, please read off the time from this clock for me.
5:49:41
